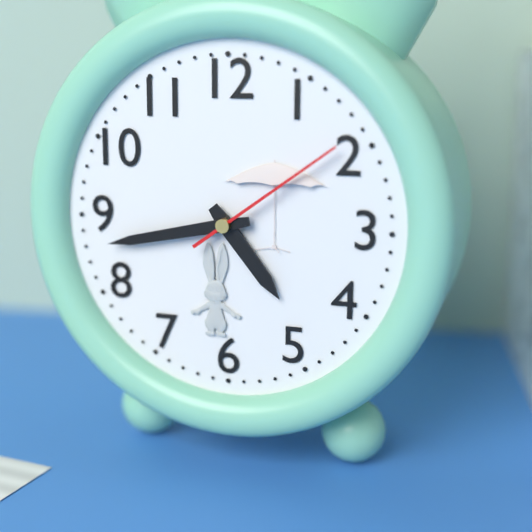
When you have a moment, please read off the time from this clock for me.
4:43:09
